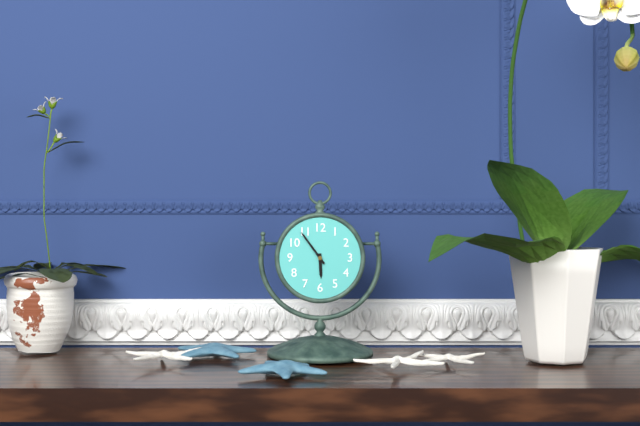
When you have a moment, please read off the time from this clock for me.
5:54
